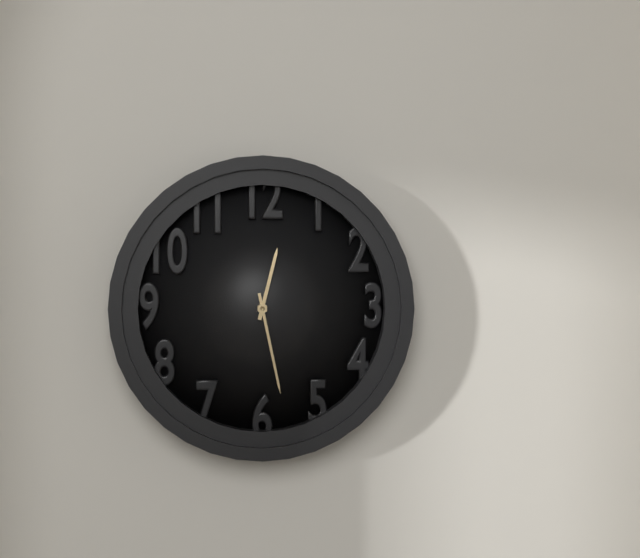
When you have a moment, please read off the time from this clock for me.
12:28
